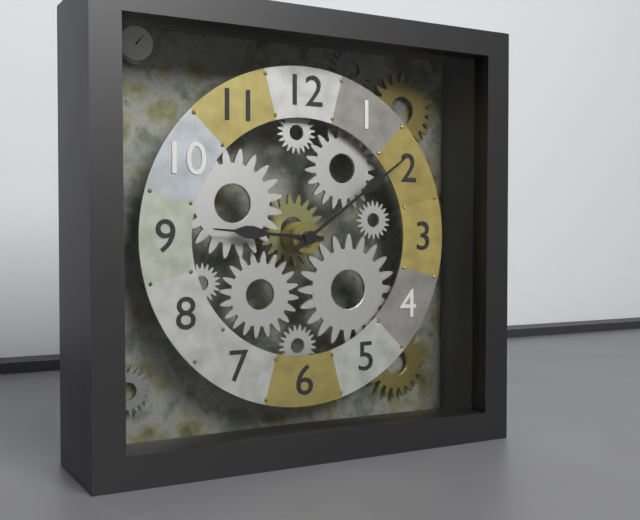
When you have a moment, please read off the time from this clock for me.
9:09
